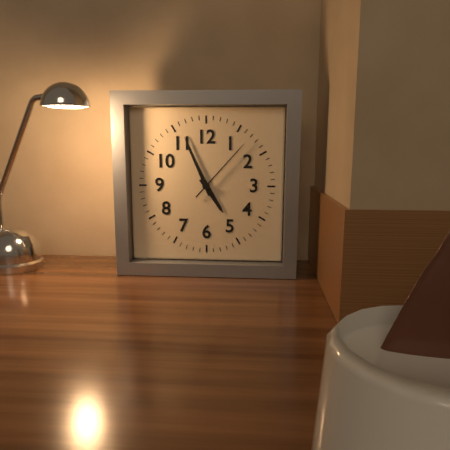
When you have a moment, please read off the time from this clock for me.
4:56:07
